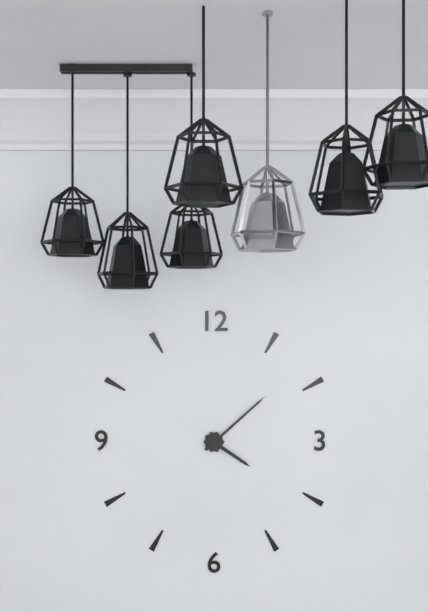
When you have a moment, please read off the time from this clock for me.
4:08
